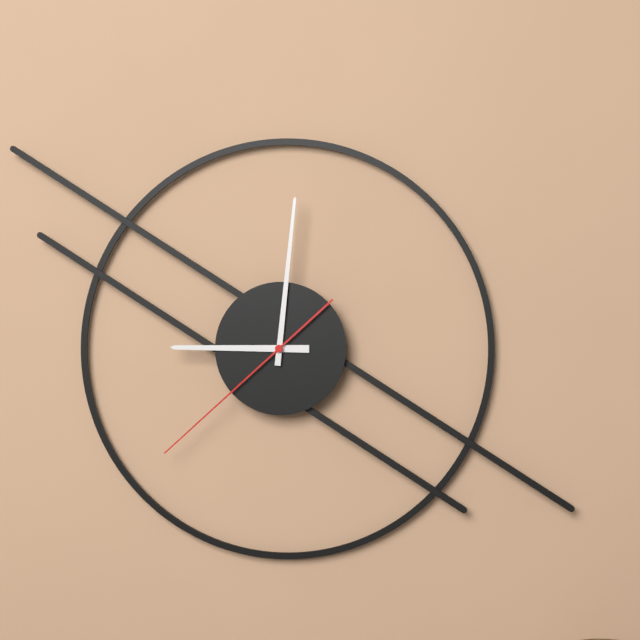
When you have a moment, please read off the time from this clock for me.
9:01:38
